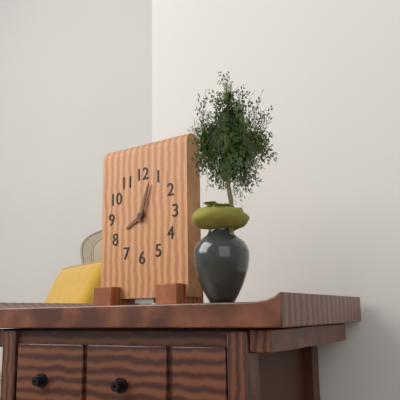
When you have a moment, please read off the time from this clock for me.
8:03
